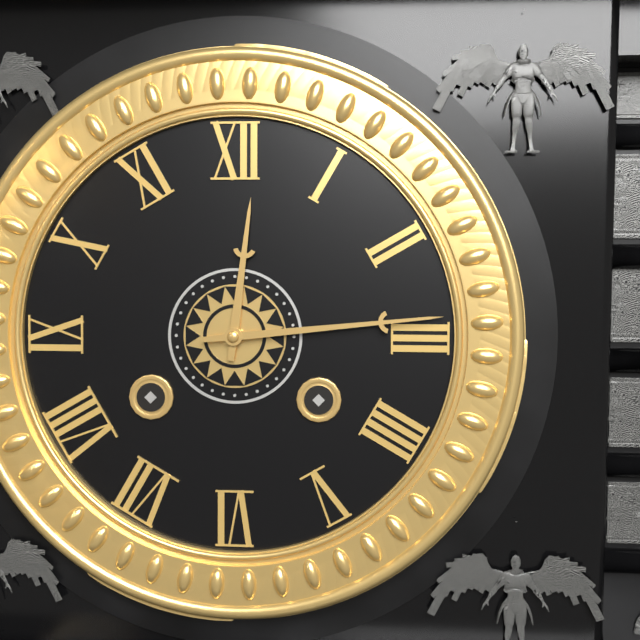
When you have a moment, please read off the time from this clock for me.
12:14
